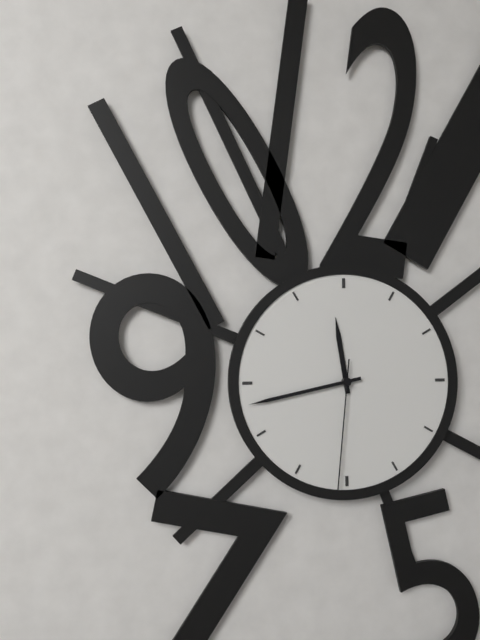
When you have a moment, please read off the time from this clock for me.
11:43:31
